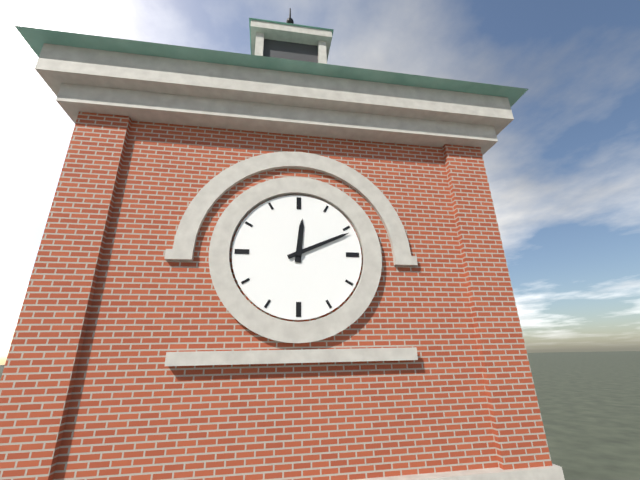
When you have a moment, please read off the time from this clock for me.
12:11
